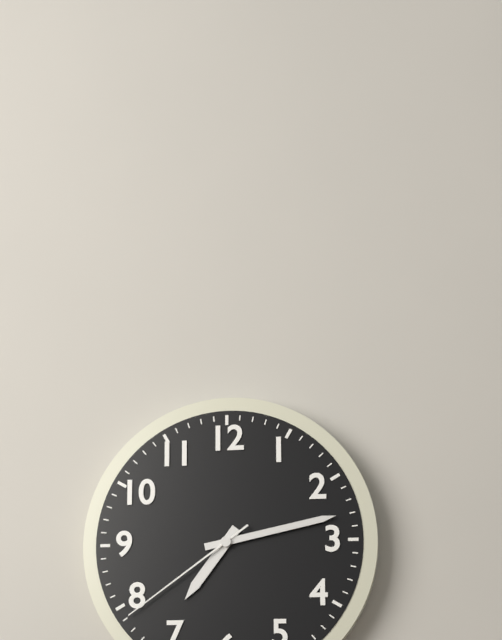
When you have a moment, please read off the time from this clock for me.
7:13:39
